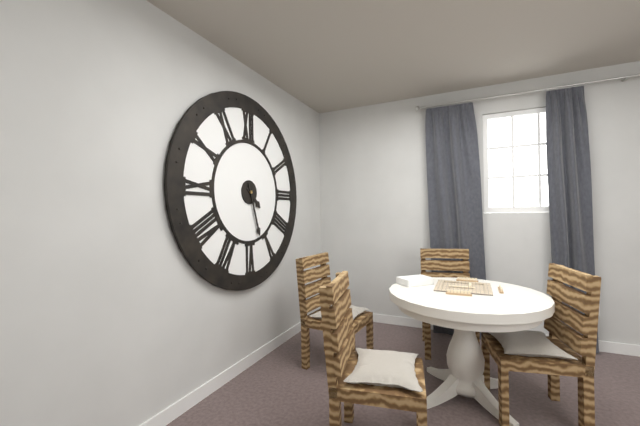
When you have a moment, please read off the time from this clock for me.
4:27
